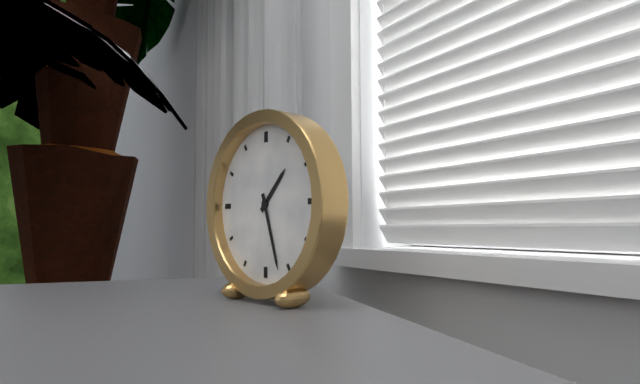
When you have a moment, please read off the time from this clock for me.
1:27
